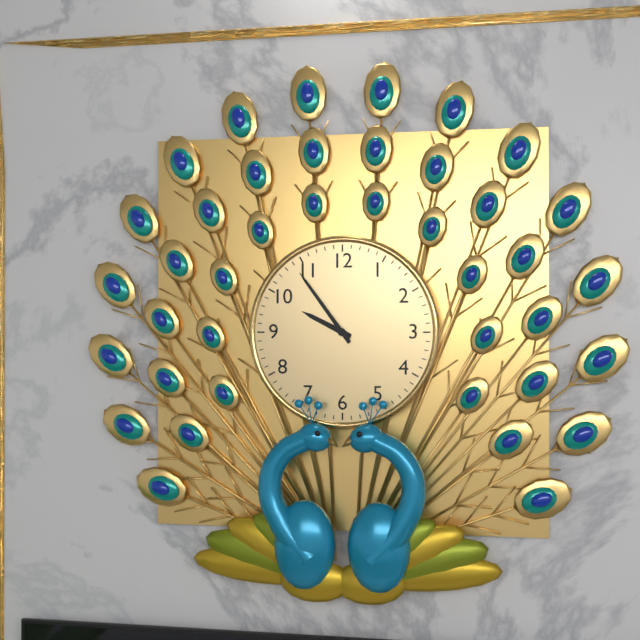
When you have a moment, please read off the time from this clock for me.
9:54
